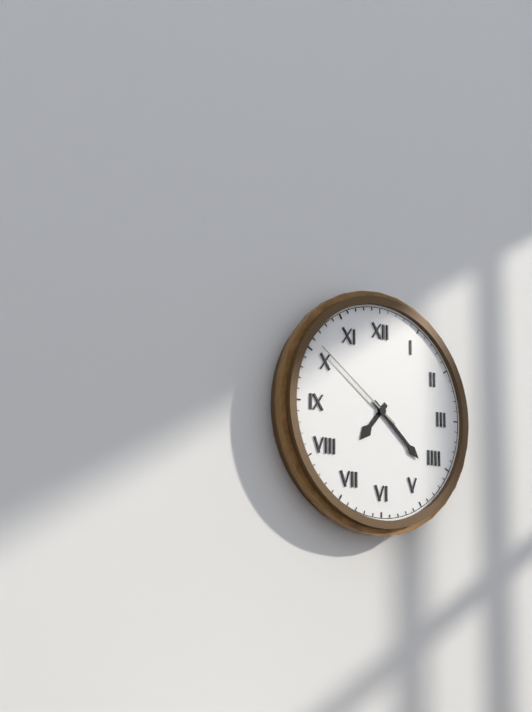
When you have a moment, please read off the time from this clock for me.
7:22:51
